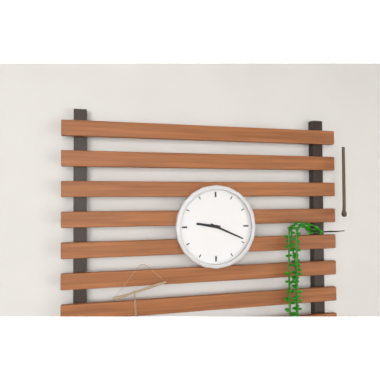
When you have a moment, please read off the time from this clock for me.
9:19
